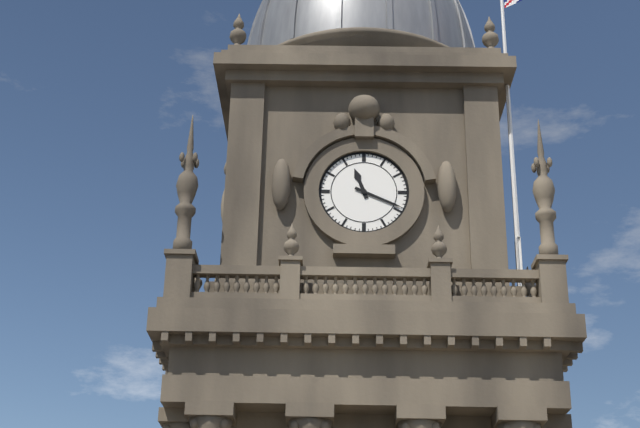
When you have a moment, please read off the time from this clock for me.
11:19
